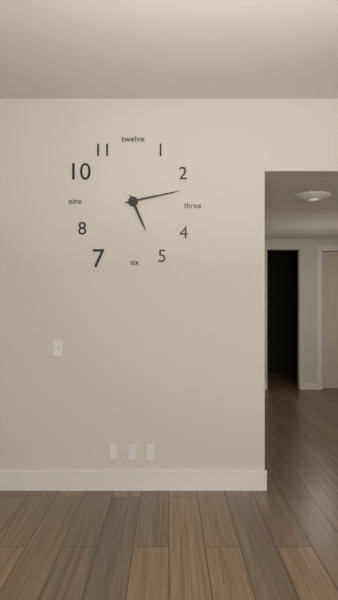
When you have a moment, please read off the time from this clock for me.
5:13
